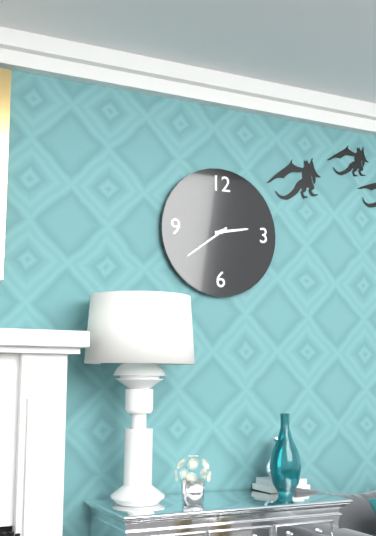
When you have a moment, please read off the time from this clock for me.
2:39
